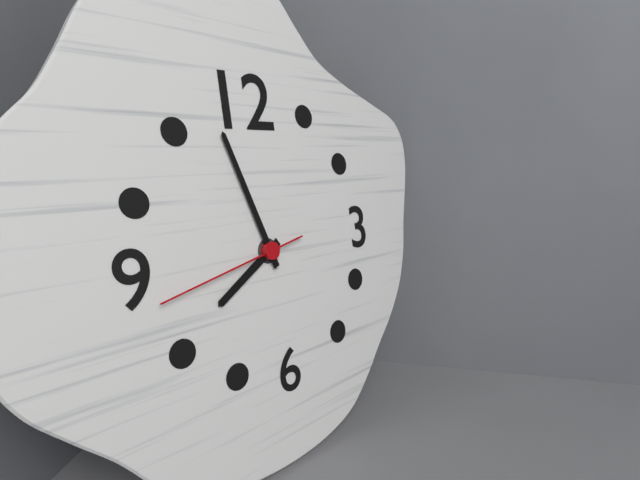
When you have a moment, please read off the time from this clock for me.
7:57:43
